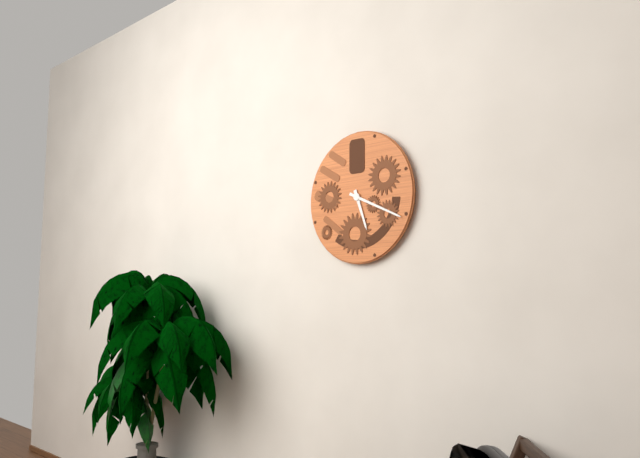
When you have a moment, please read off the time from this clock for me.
5:19
